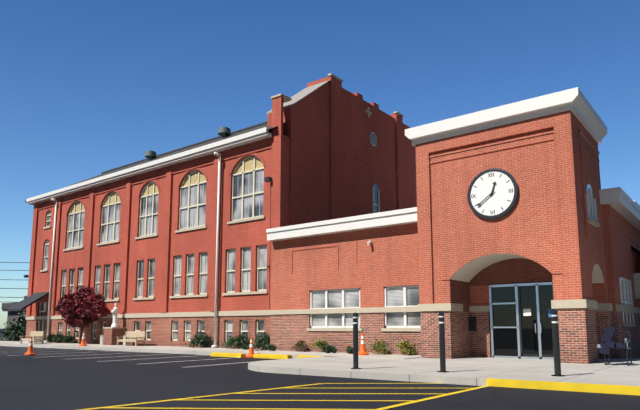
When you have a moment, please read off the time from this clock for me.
12:39
